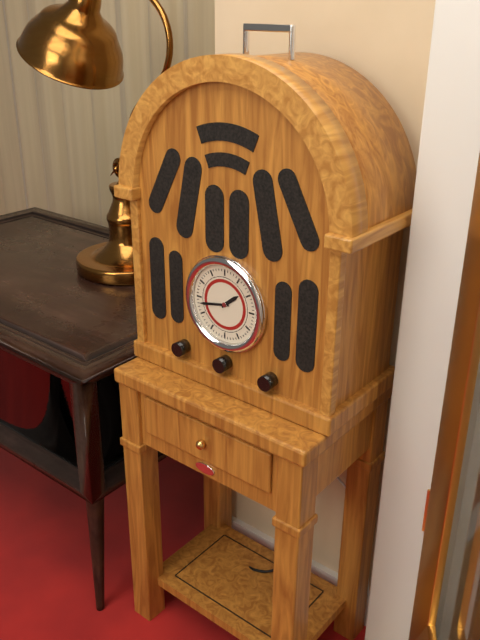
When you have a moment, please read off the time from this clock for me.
1:43
